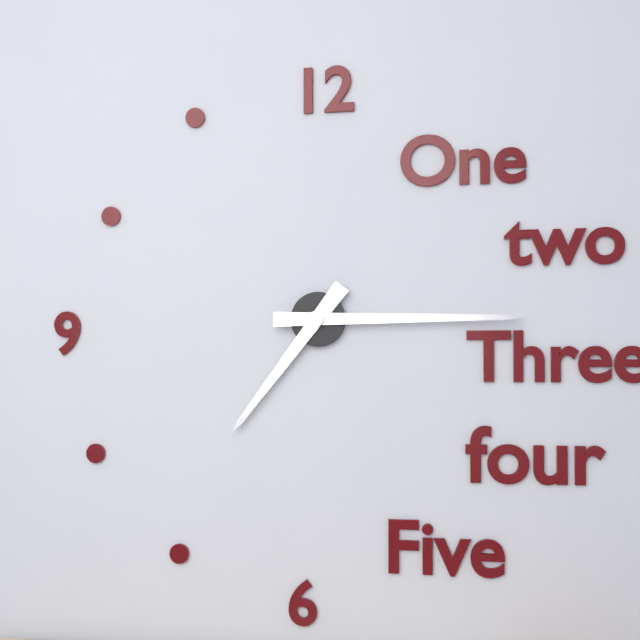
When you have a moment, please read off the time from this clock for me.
7:15
